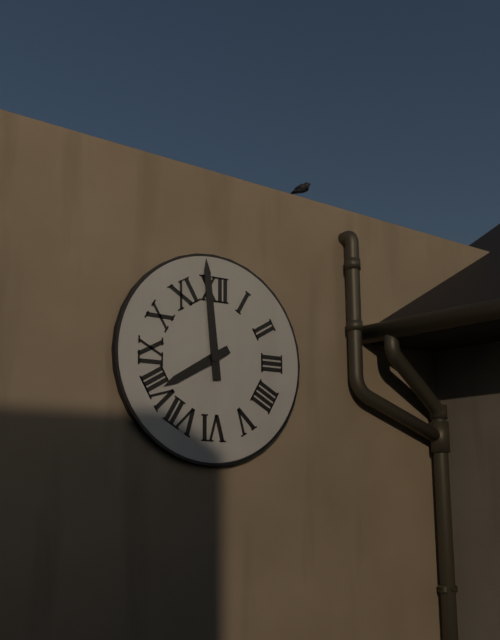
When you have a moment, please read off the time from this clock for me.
7:59
